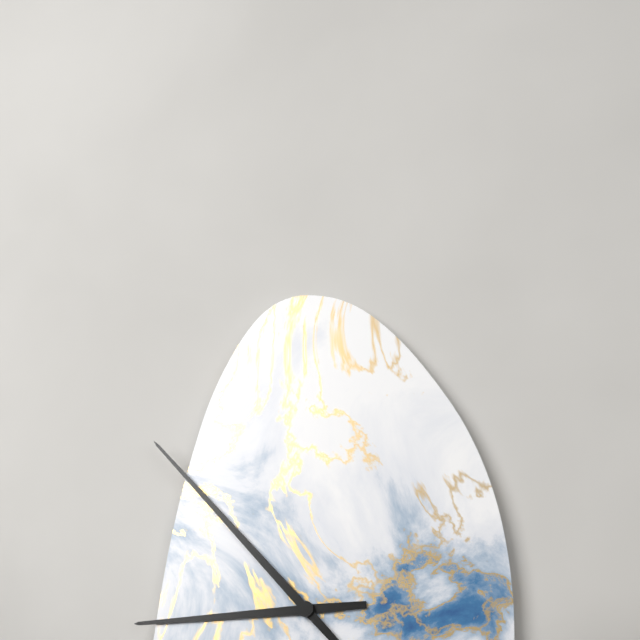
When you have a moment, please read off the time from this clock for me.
8:53
